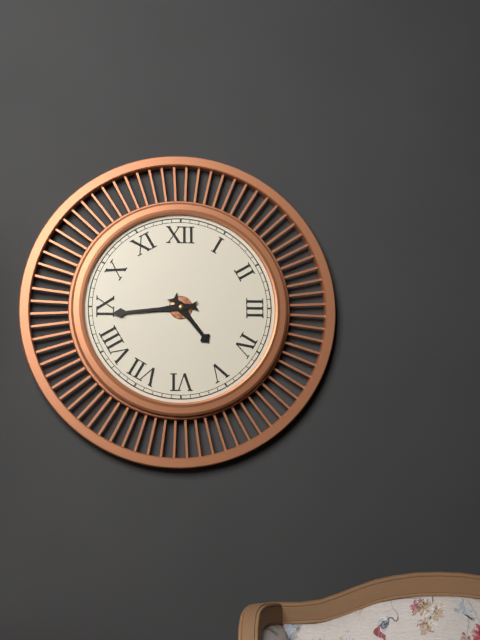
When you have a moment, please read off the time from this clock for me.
4:44
